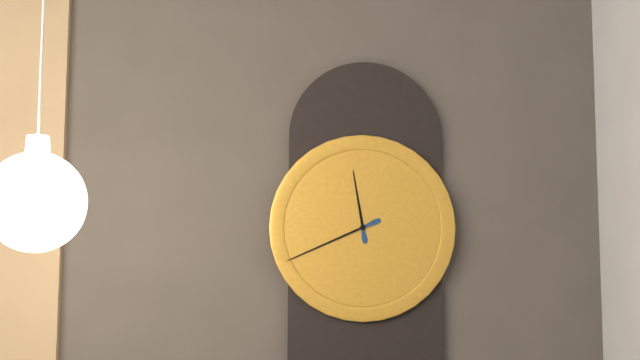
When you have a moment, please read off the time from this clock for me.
11:41
